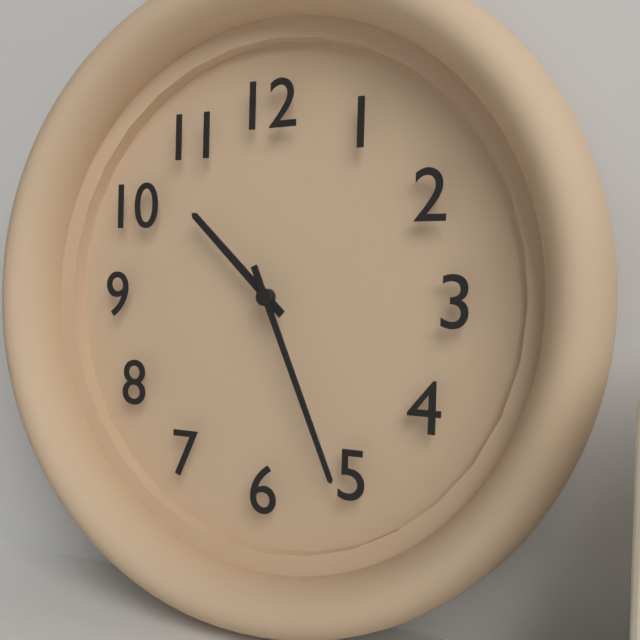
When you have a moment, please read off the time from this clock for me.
10:26
